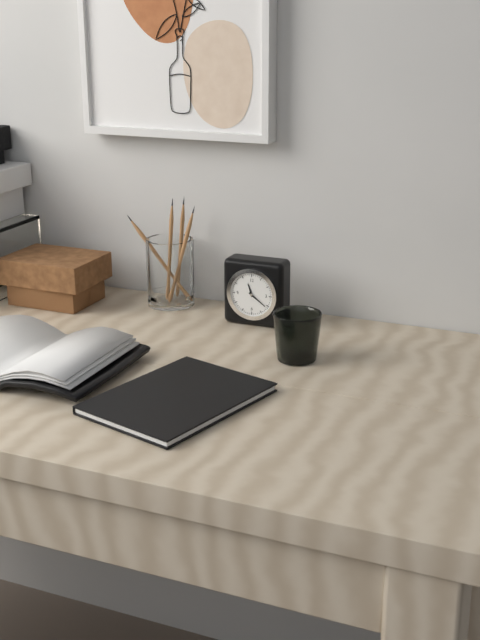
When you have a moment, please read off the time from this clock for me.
11:21
